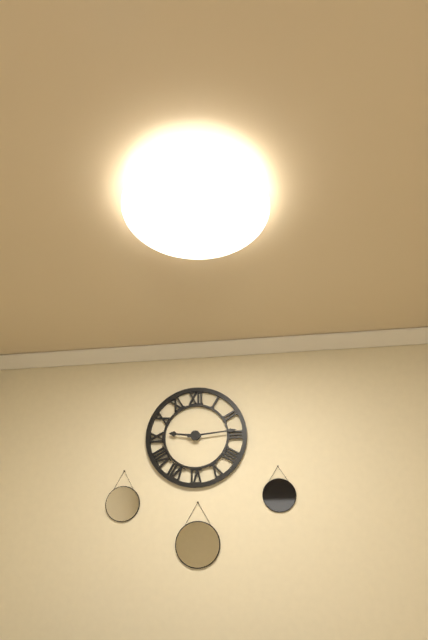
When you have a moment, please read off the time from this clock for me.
9:14
